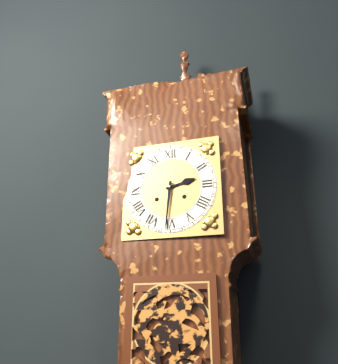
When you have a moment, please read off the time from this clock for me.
2:31
